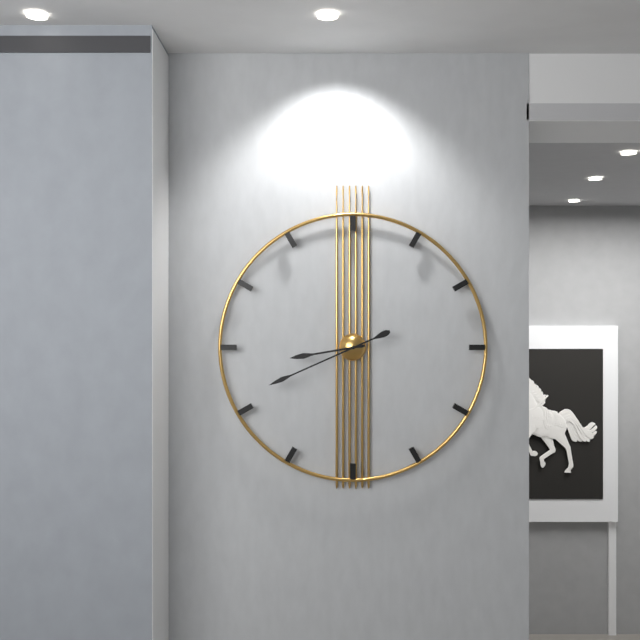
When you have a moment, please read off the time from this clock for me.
8:41
